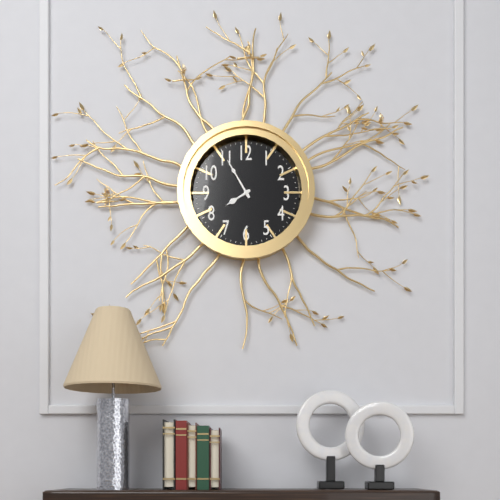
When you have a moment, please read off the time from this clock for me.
7:55
